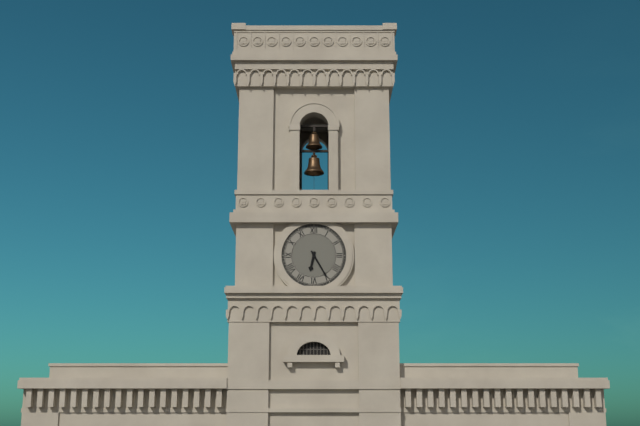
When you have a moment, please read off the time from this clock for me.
6:25
